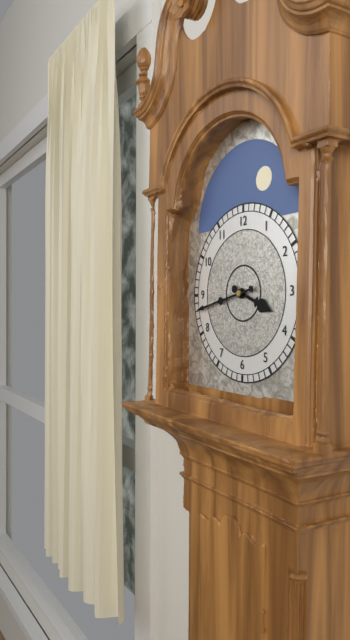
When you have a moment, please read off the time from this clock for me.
3:43
